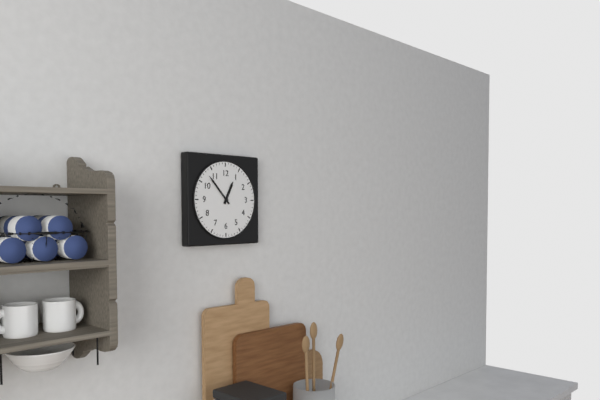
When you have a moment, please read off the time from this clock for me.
12:53
